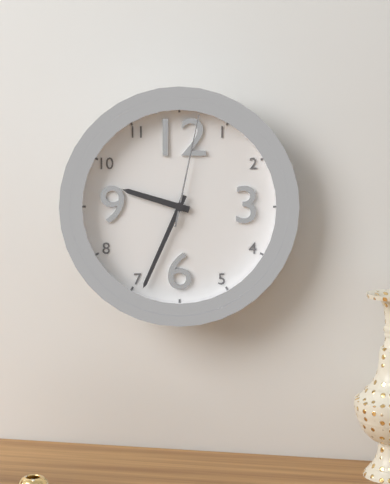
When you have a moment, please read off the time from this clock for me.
9:34:02
